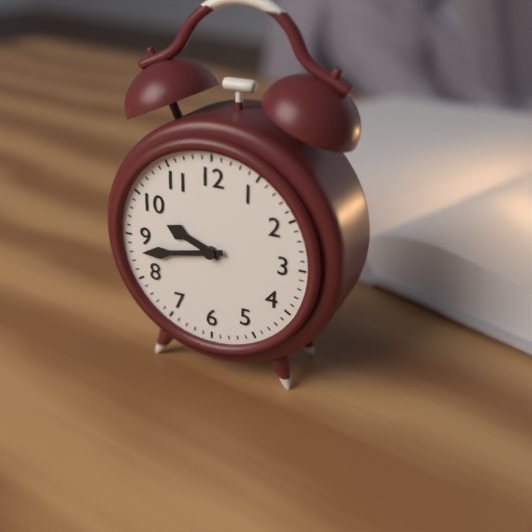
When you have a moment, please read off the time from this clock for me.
9:43
